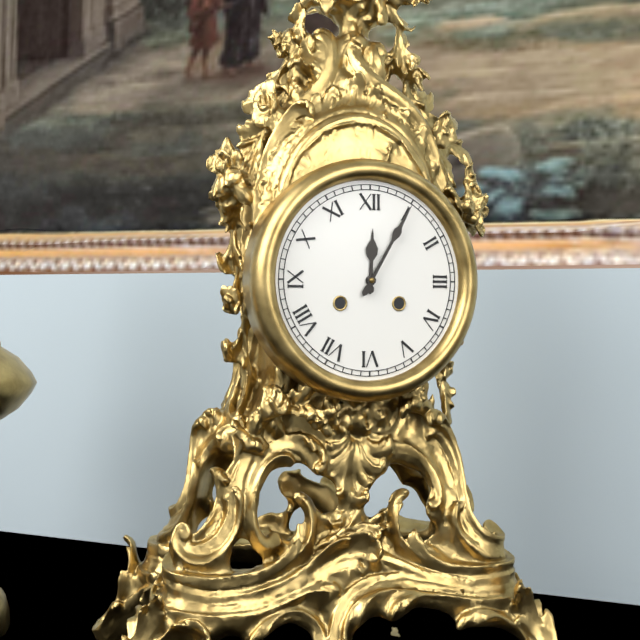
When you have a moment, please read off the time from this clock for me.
12:05
